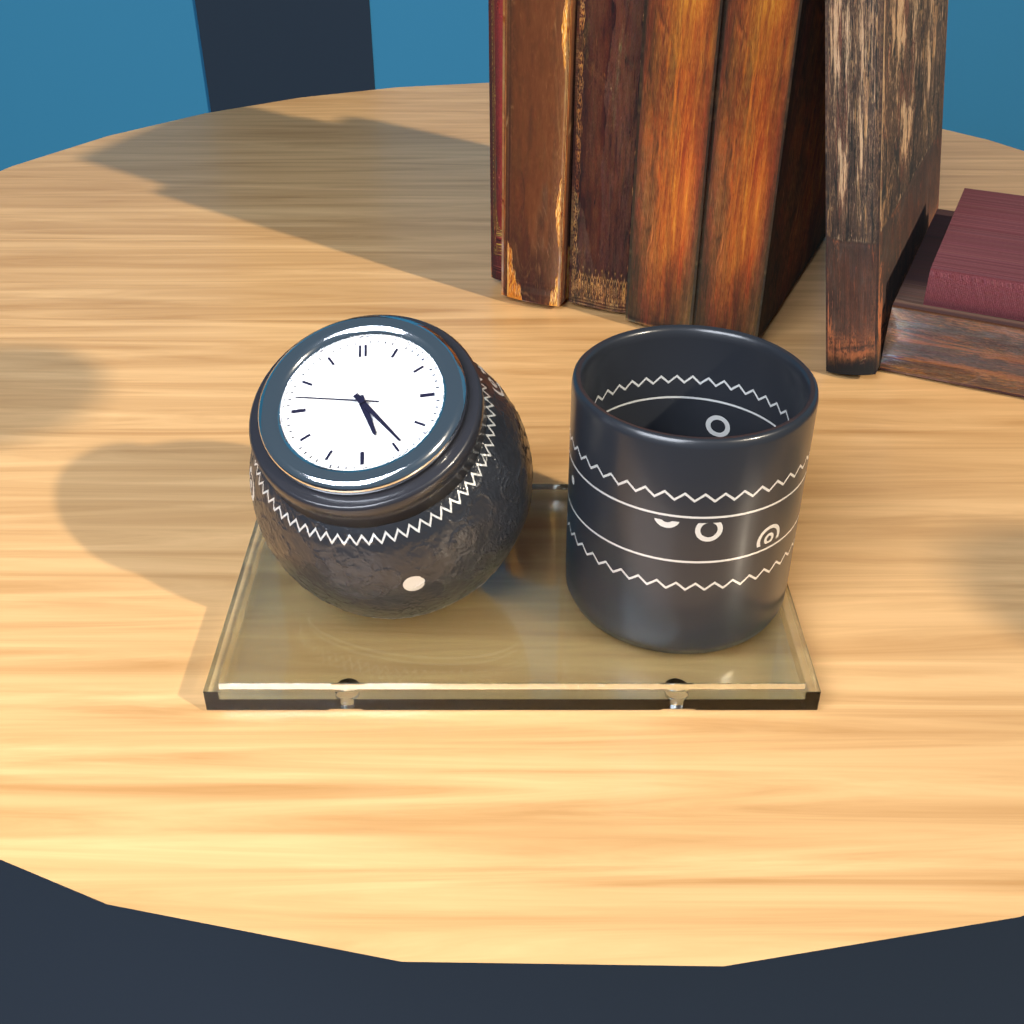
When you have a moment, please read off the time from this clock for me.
5:24:47
